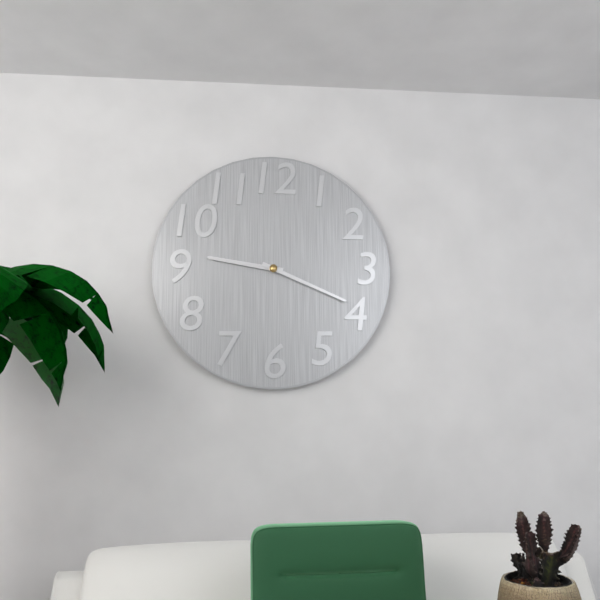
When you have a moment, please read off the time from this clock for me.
9:19
